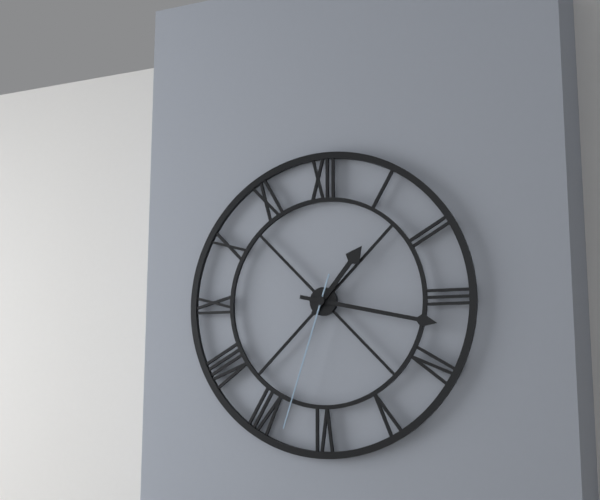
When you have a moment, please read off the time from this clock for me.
1:17:33
